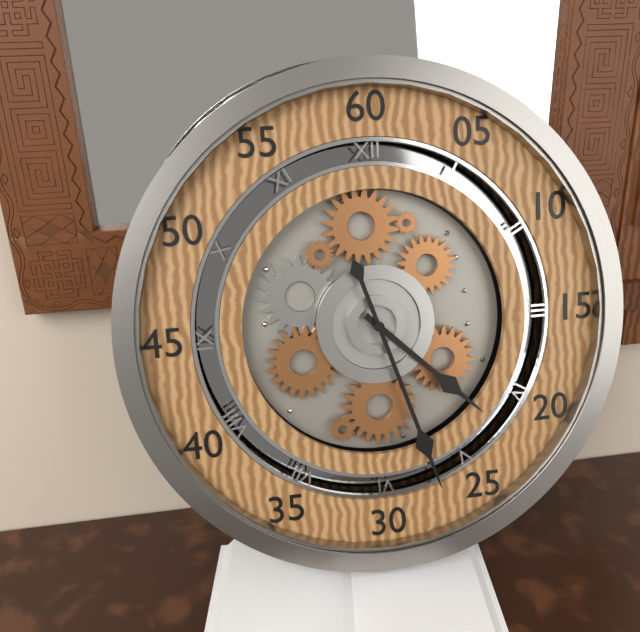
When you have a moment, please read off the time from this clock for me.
4:27
